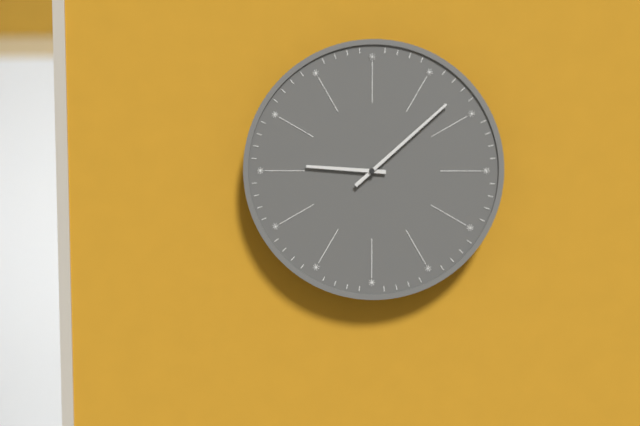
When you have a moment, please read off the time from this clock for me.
9:08
